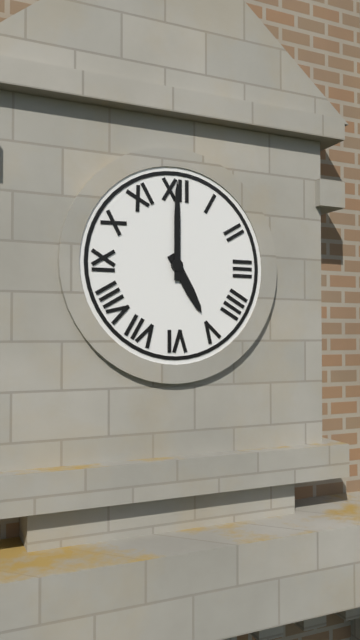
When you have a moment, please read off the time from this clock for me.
5:00
